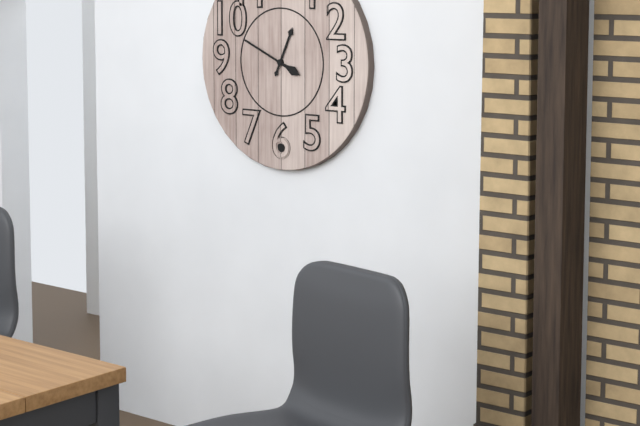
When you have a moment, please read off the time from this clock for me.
12:49
